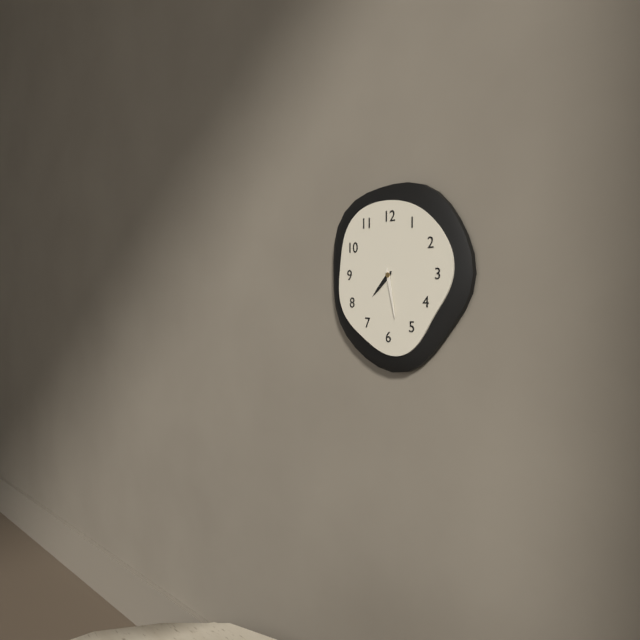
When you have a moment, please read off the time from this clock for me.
7:28
